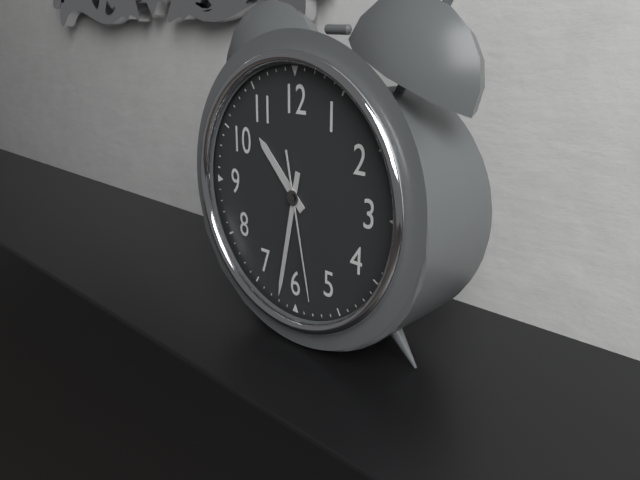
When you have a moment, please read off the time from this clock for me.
10:32:28
